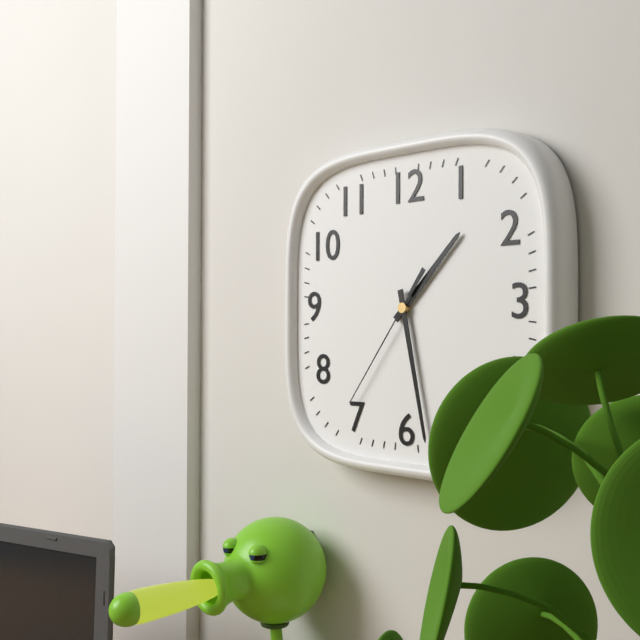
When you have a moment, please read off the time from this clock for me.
1:28:36
